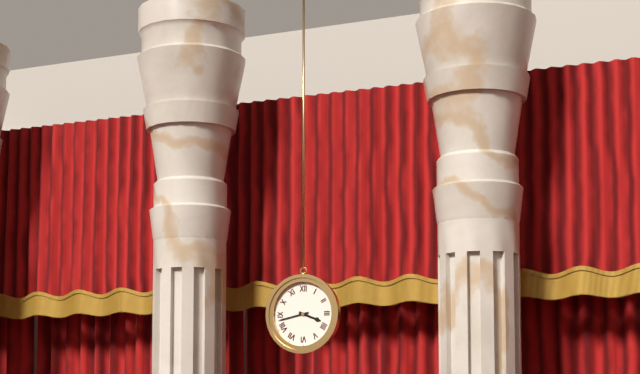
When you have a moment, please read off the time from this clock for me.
3:43
